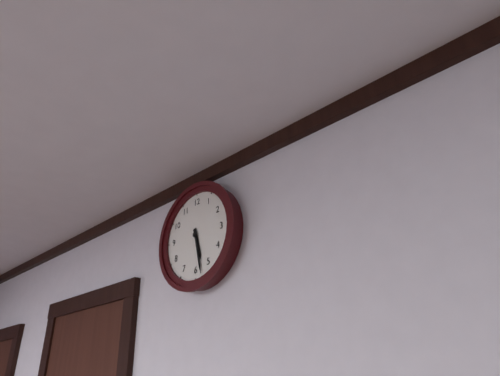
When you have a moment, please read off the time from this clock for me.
5:28
